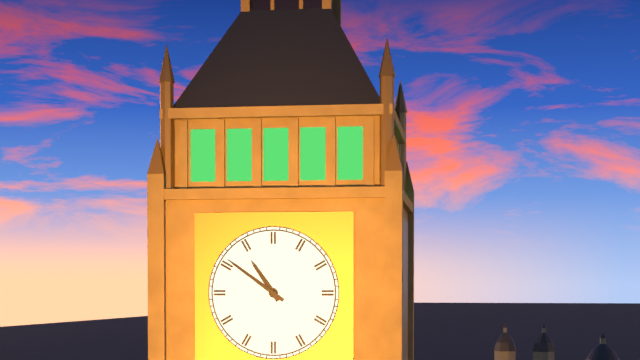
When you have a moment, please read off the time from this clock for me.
10:51
